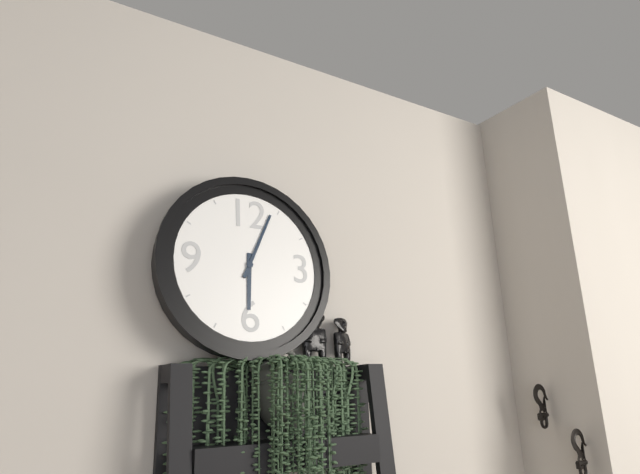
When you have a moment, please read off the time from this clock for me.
6:04
